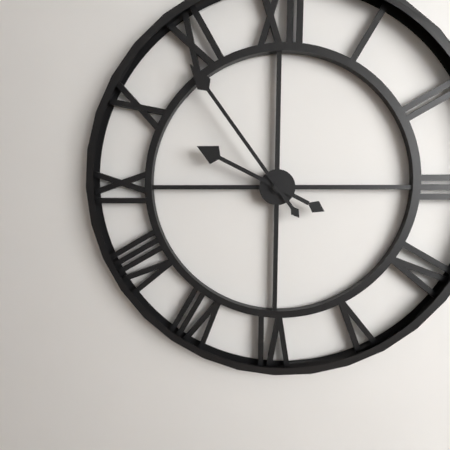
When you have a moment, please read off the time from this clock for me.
9:54
